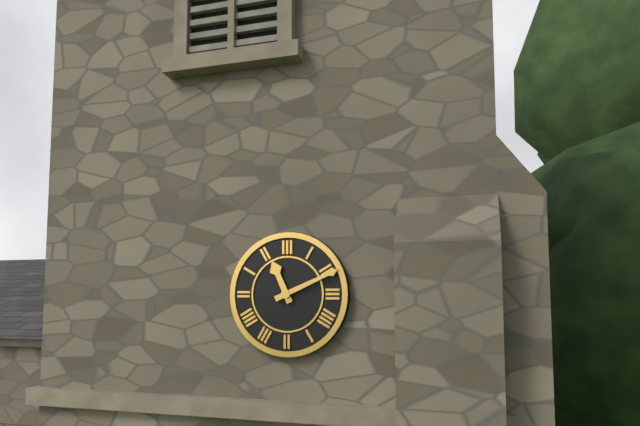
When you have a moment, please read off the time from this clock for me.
11:11
